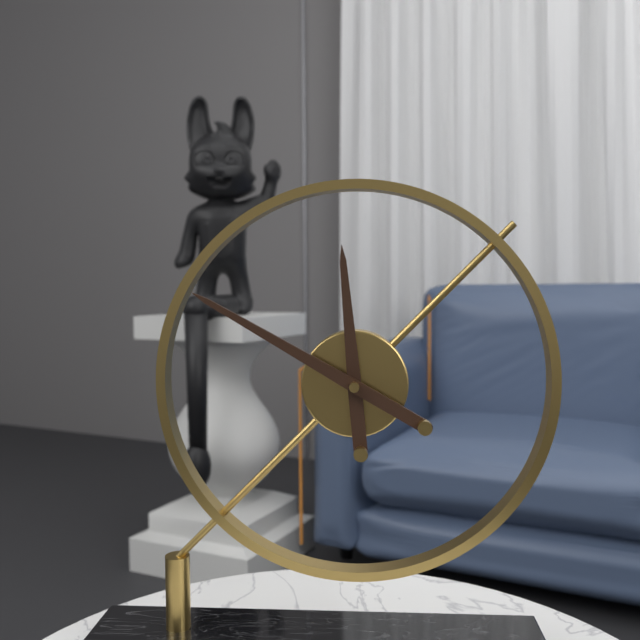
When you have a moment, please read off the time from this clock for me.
11:50
